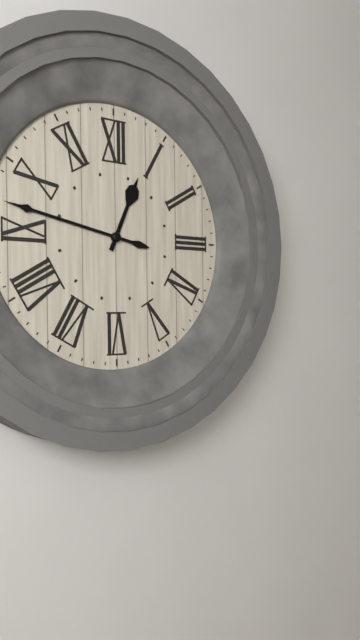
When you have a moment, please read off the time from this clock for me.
12:47
